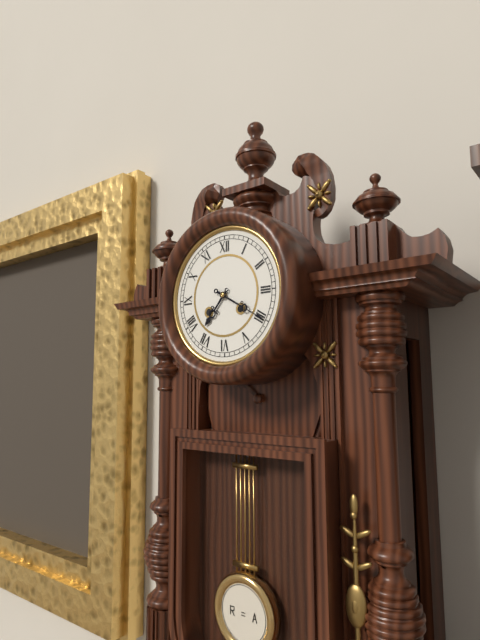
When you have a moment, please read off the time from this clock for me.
7:20
